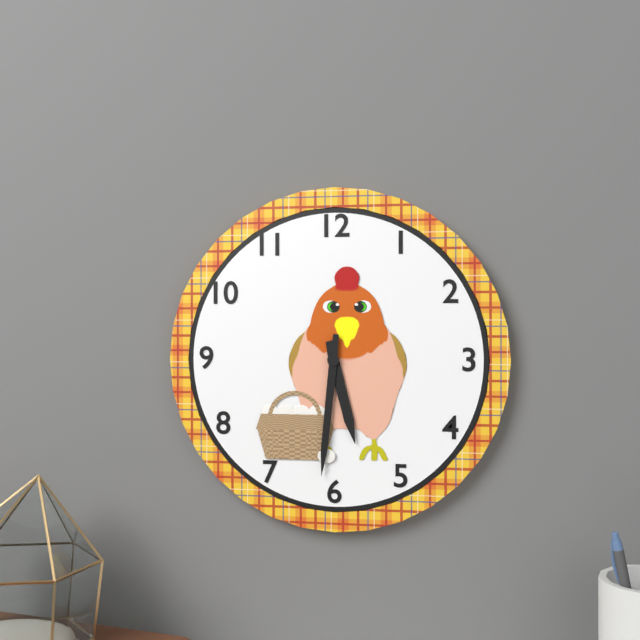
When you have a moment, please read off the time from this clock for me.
5:31
